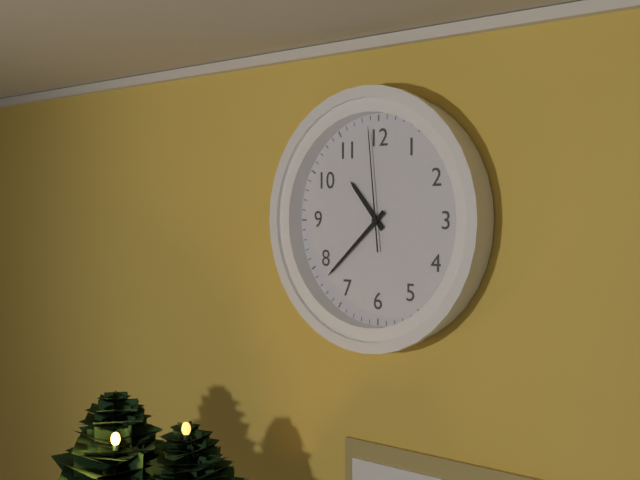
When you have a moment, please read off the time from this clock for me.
10:38:59
